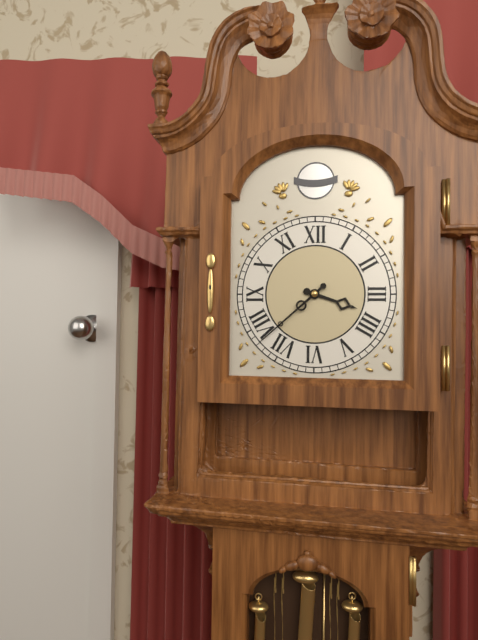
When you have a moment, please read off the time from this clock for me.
3:38
